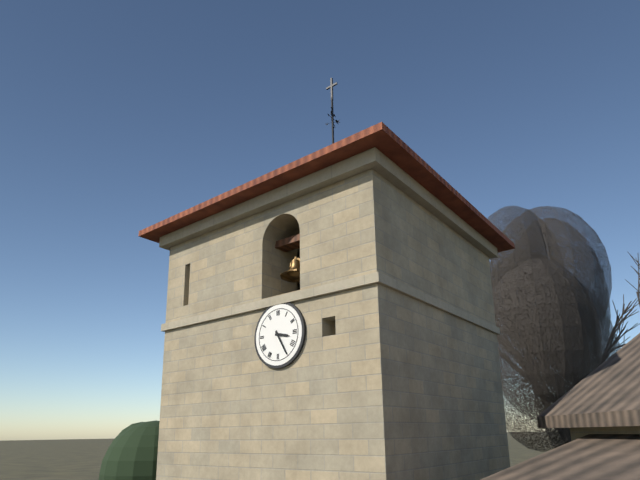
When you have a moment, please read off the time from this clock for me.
3:25
